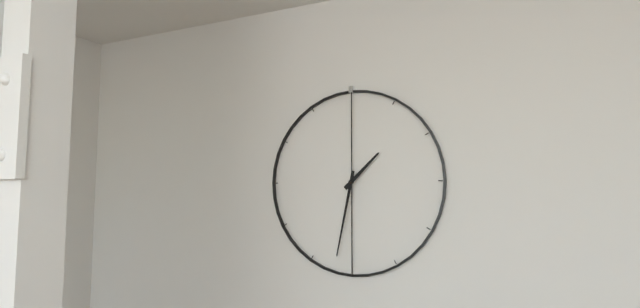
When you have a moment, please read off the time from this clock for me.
1:32
